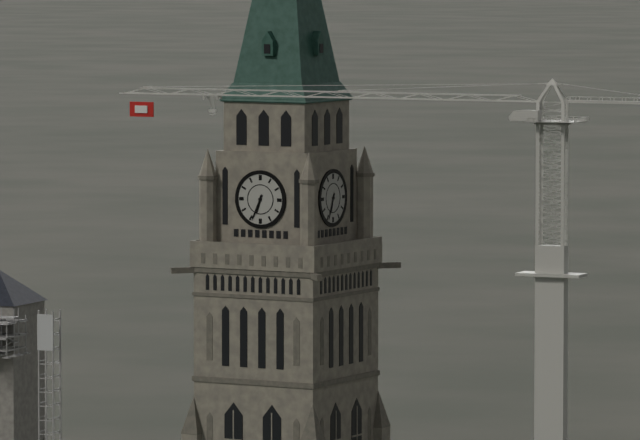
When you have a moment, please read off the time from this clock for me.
6:34
